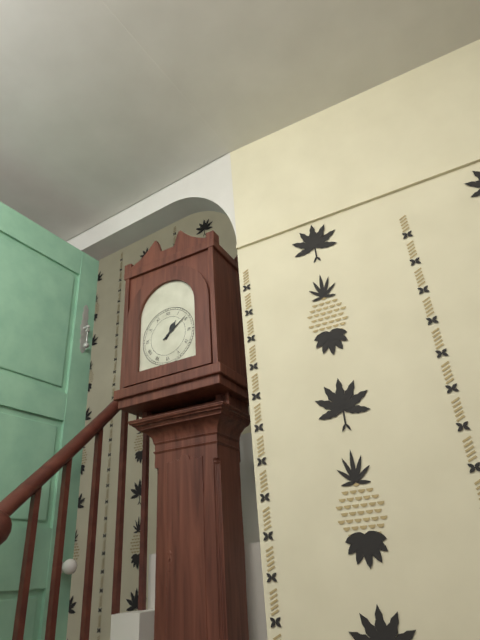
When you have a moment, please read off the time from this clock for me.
1:09
